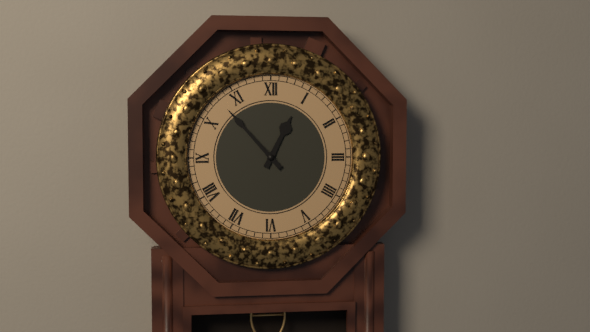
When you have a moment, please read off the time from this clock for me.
12:53
